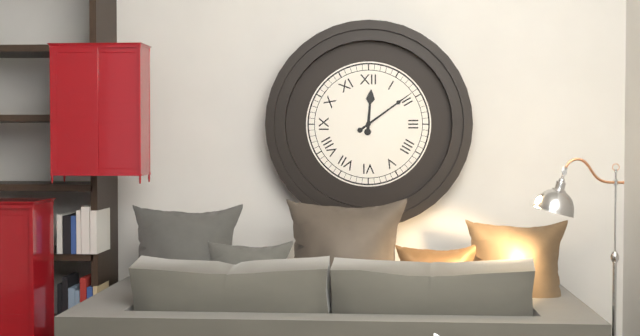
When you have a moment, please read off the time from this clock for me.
12:09
